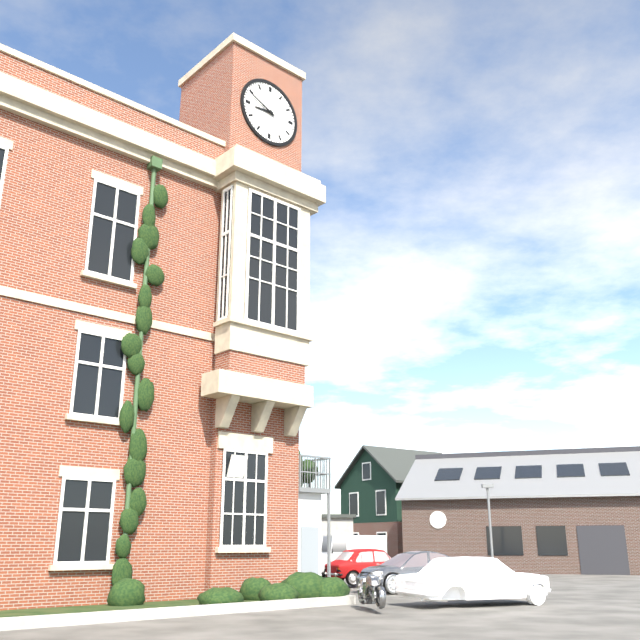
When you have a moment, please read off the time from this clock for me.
8:49
